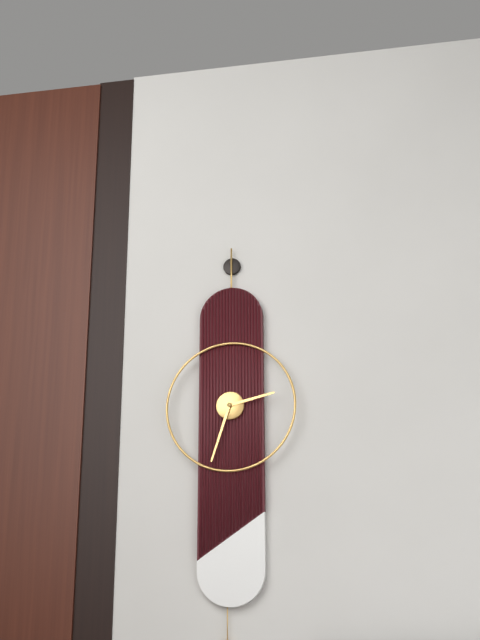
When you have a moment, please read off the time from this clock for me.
2:33
